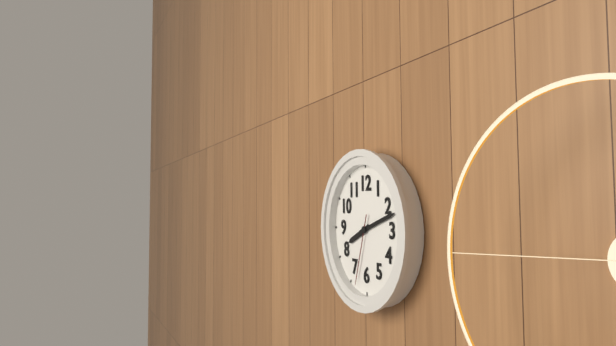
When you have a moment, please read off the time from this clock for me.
8:12:33
